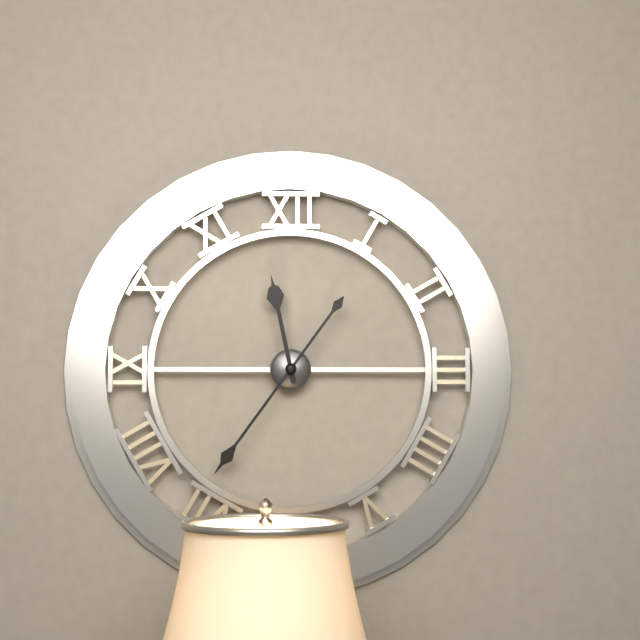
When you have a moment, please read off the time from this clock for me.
11:36
